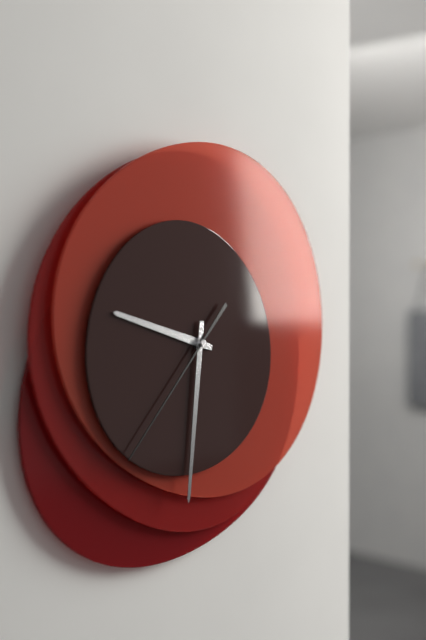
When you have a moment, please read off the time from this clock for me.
9:31:37
